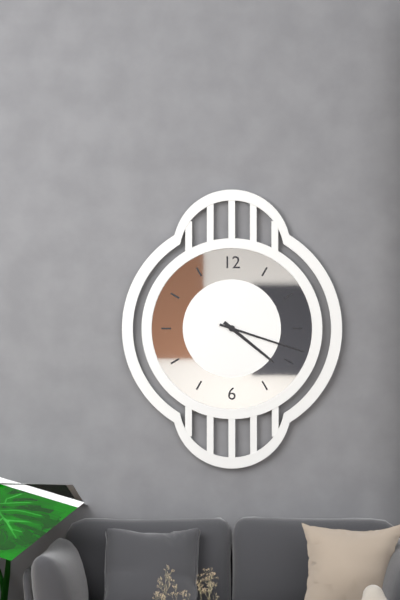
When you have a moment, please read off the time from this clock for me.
4:18
